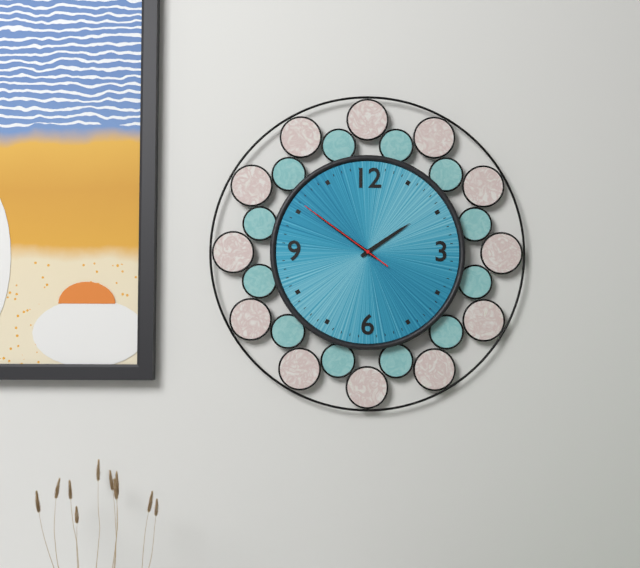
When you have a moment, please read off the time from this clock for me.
1:51:51
